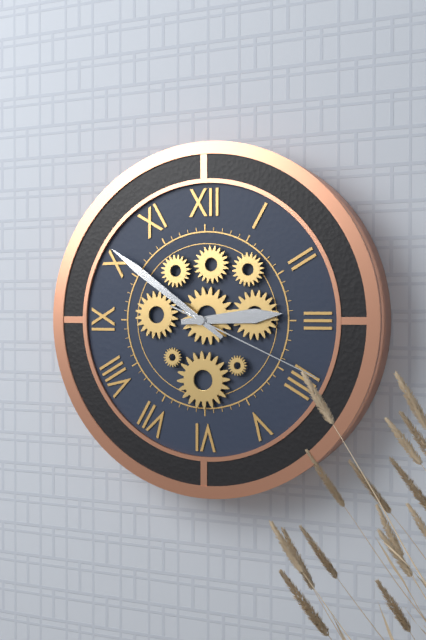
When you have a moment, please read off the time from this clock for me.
2:51:19
